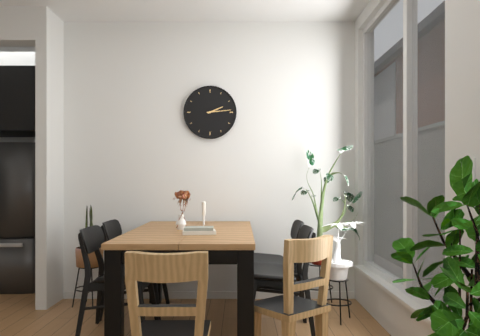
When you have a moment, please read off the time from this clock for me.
2:14
